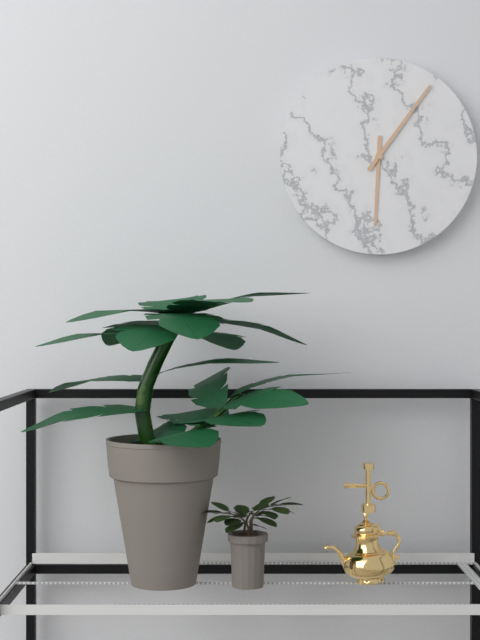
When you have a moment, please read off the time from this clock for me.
6:06
